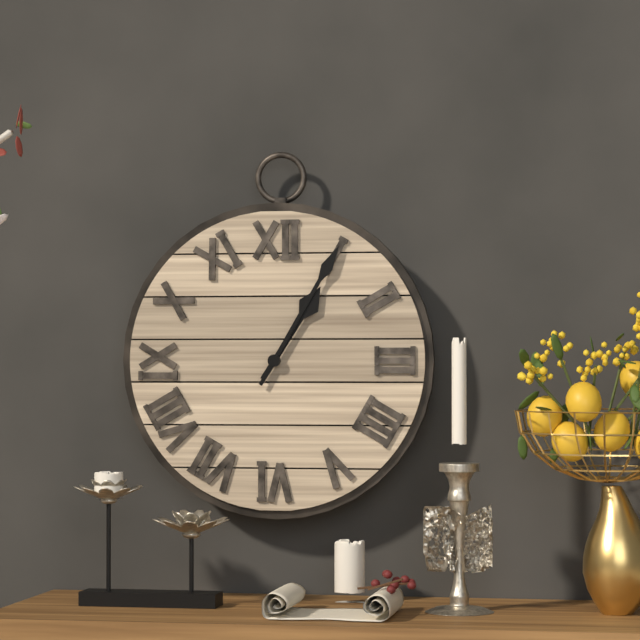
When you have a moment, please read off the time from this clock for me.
1:05
